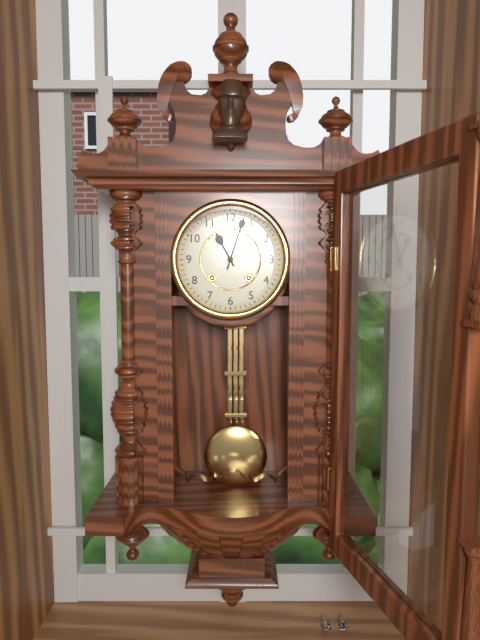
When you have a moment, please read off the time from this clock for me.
11:03
